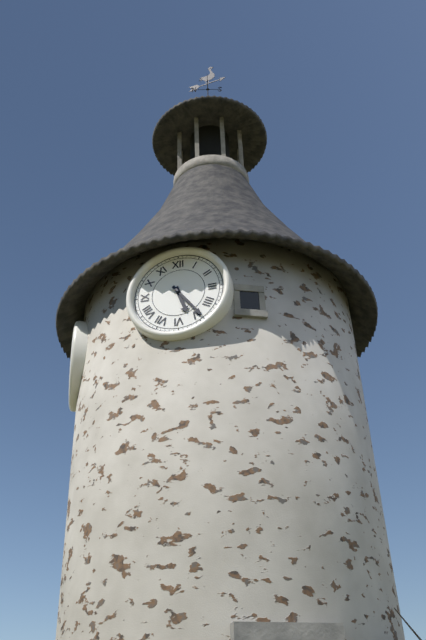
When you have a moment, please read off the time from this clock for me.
5:24
